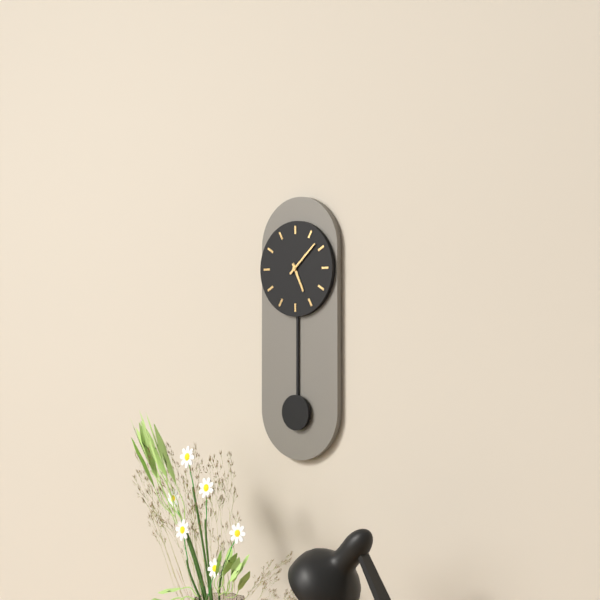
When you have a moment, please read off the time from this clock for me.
5:08
